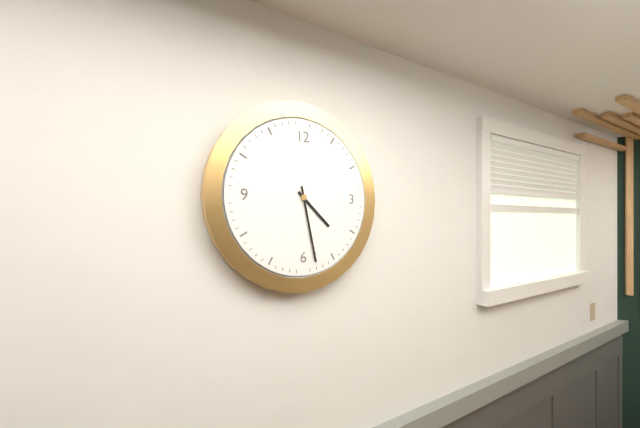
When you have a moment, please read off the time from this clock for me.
4:28
